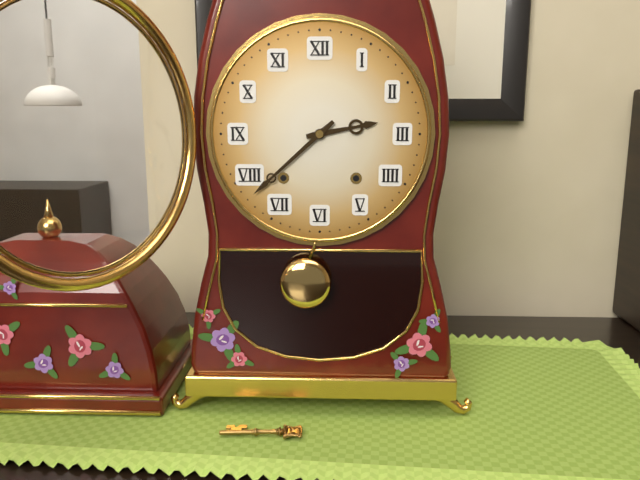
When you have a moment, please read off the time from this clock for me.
2:38
